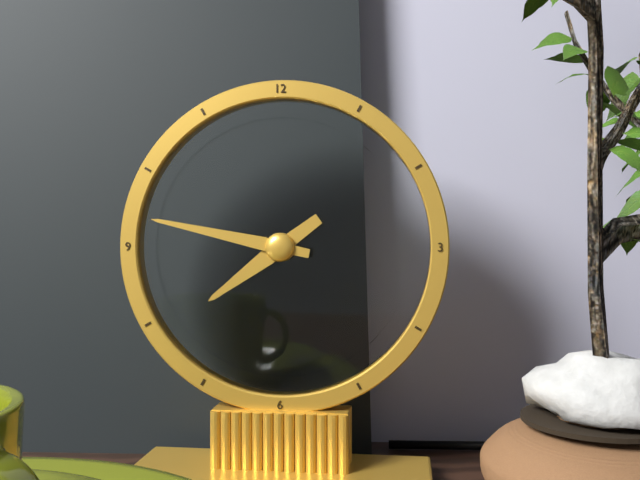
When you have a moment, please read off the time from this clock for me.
7:47
